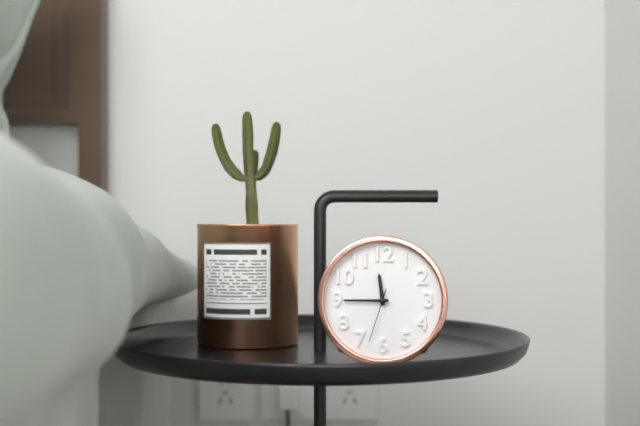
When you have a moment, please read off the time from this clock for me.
11:45:33
